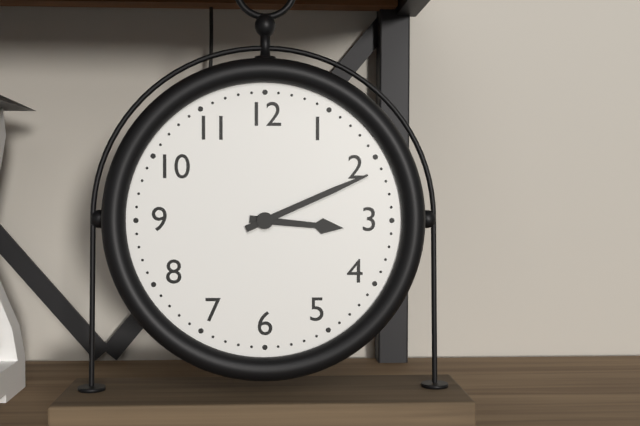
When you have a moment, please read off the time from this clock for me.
3:11
